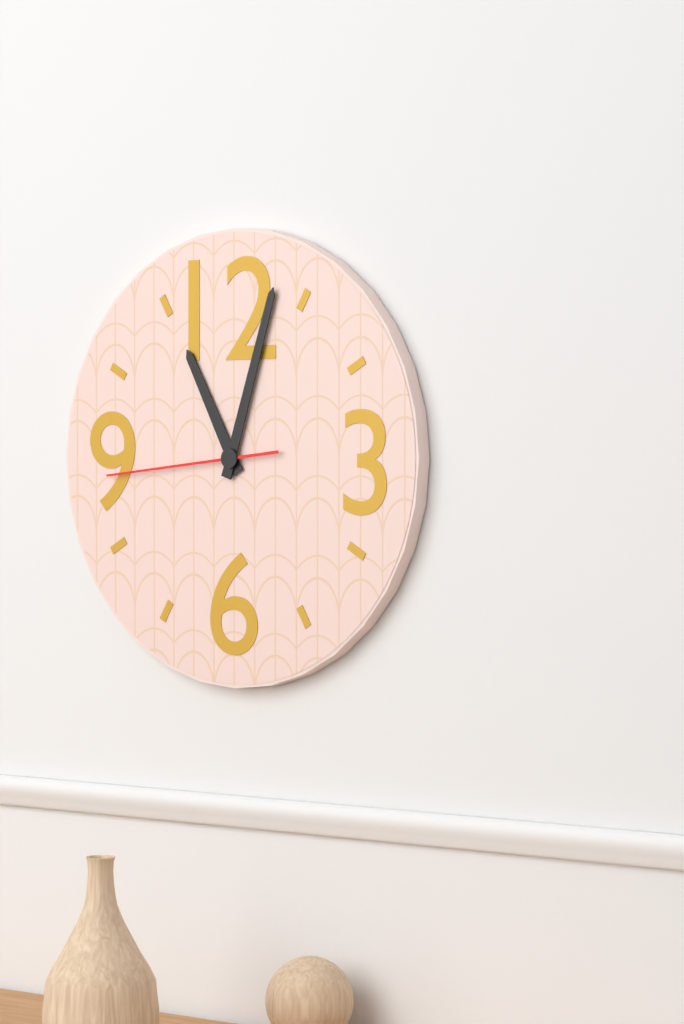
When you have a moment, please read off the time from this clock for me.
11:03:44
